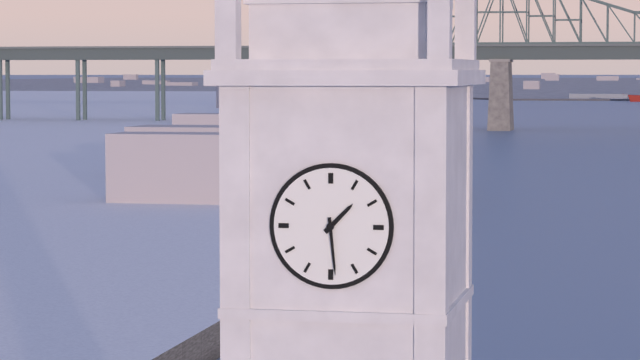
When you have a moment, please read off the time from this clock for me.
1:29
